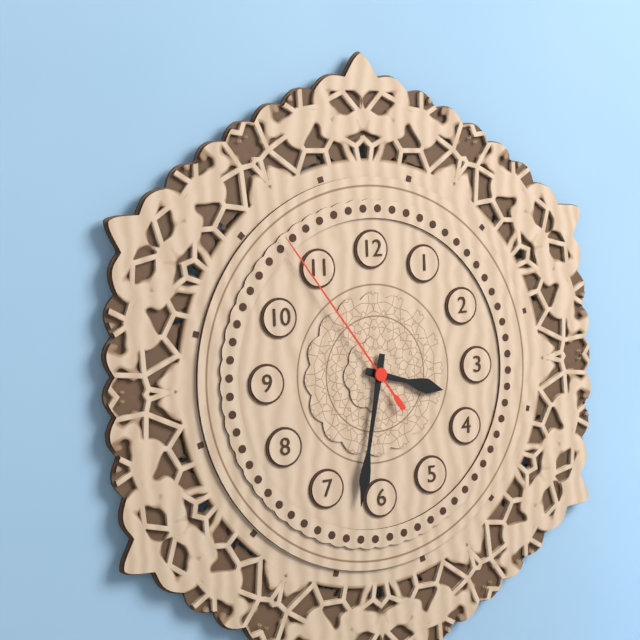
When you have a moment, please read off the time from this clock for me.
3:32:54
